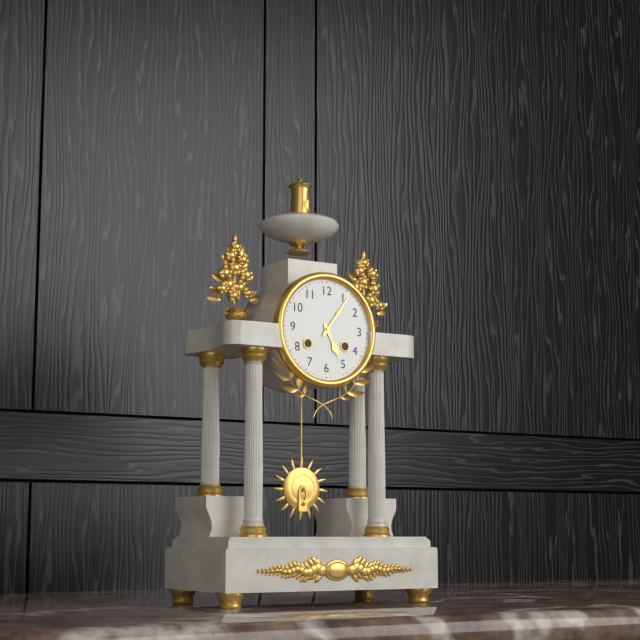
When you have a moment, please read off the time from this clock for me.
5:06
